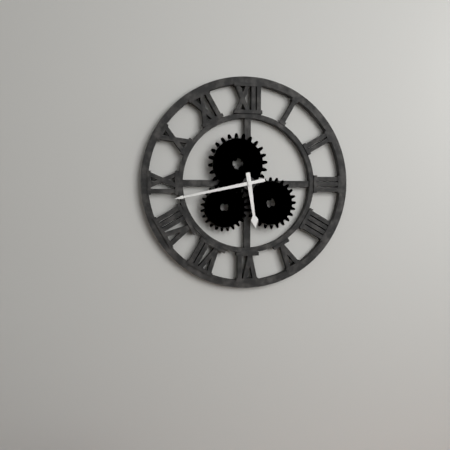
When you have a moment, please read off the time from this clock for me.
5:43
